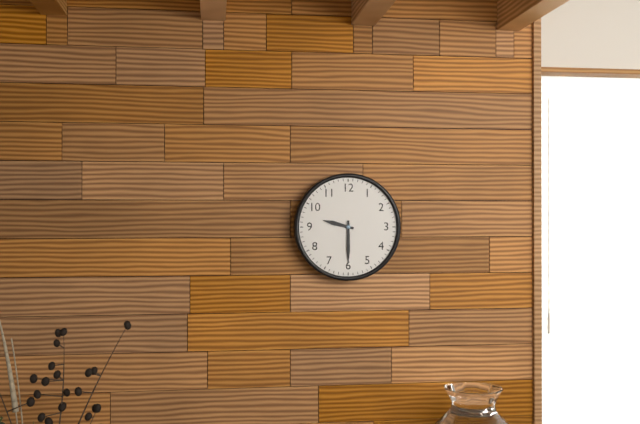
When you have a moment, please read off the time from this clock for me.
9:30
